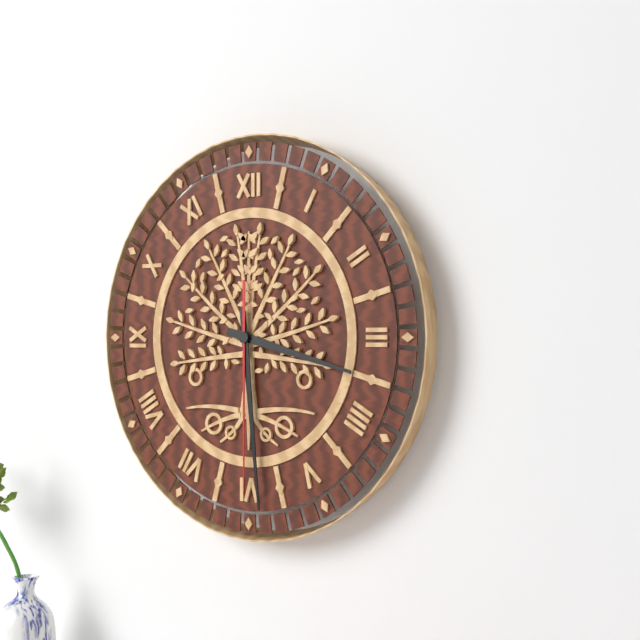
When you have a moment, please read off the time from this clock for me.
3:29:30
